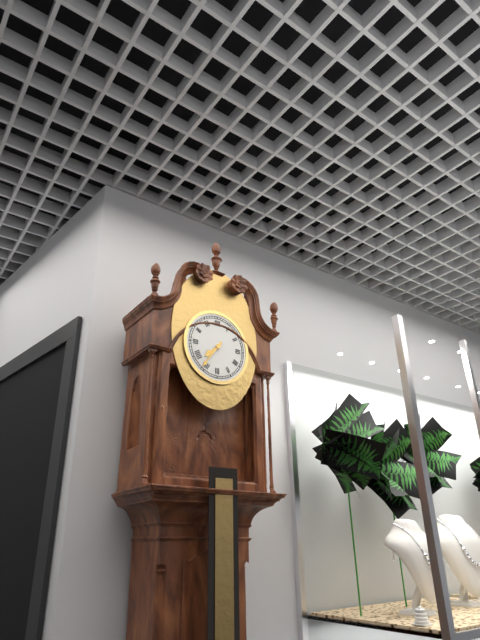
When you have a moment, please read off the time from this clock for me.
7:36
